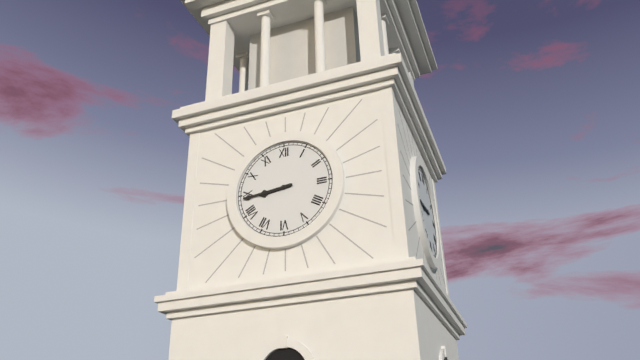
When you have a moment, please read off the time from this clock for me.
8:44
